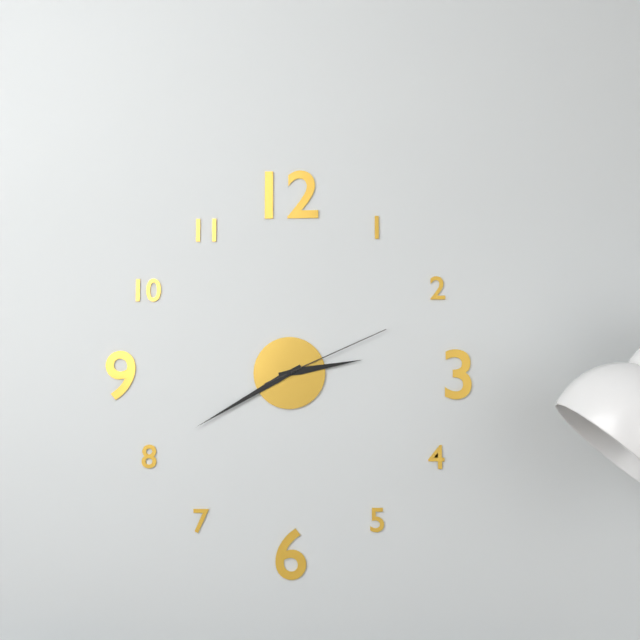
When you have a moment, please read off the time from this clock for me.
2:40:11
